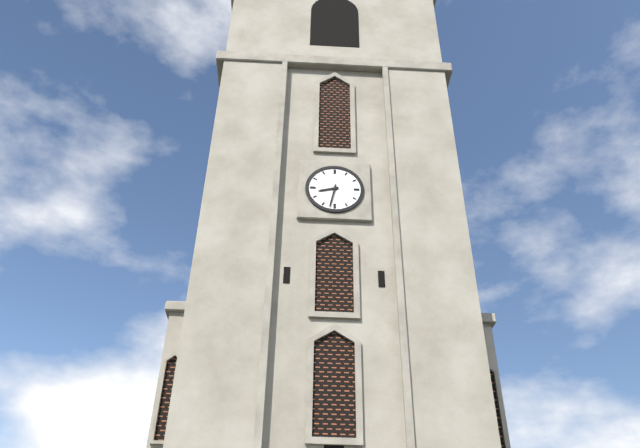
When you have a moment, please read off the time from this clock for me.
8:32
